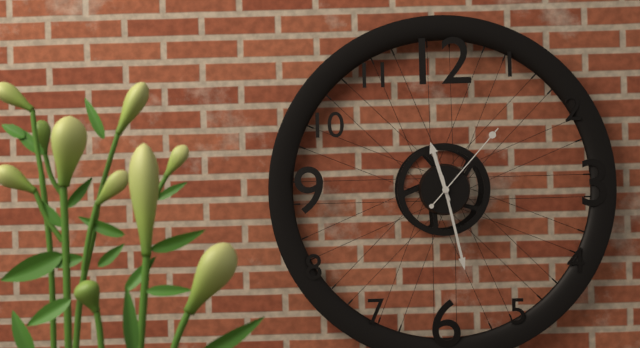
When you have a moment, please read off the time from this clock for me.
11:28:07
